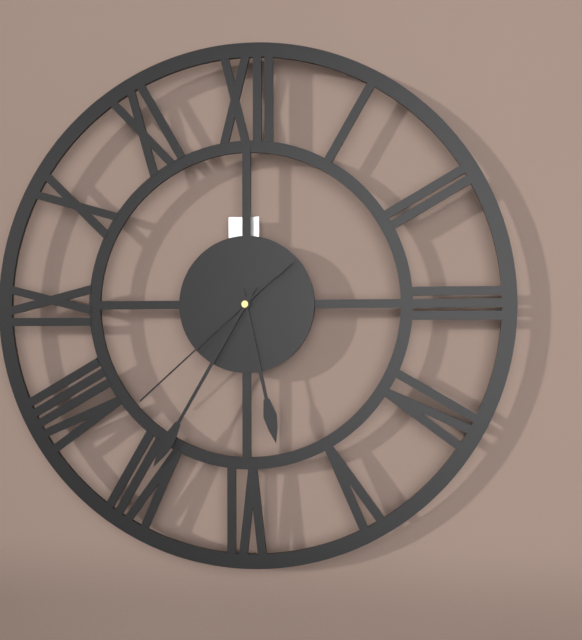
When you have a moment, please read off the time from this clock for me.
5:35:38
